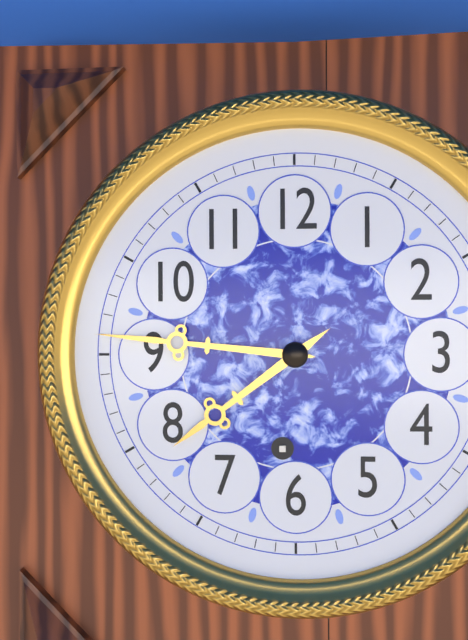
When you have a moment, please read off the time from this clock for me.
7:46
